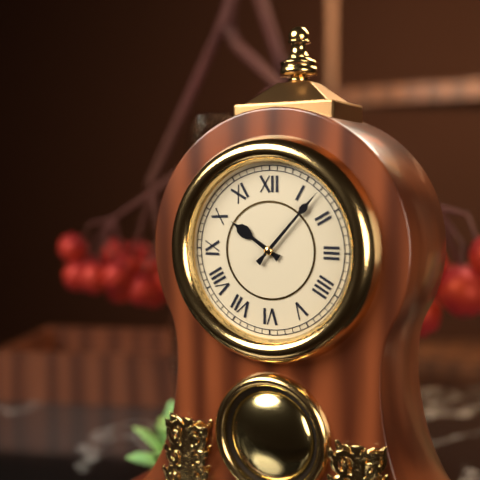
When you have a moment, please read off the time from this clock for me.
10:07
